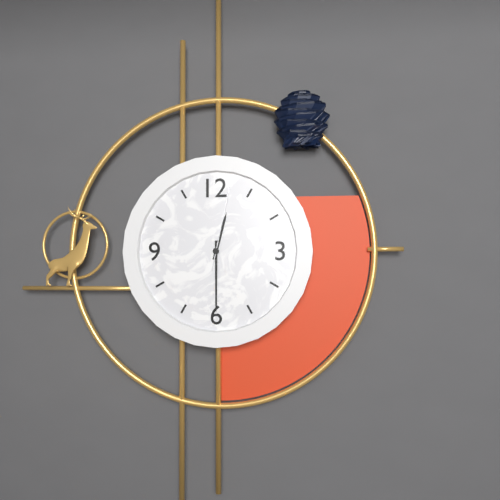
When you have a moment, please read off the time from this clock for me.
12:30:02
